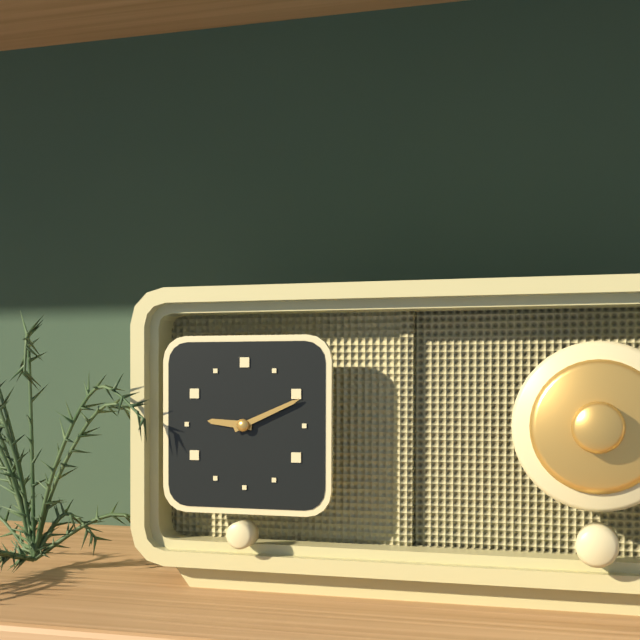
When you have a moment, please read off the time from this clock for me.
9:11
